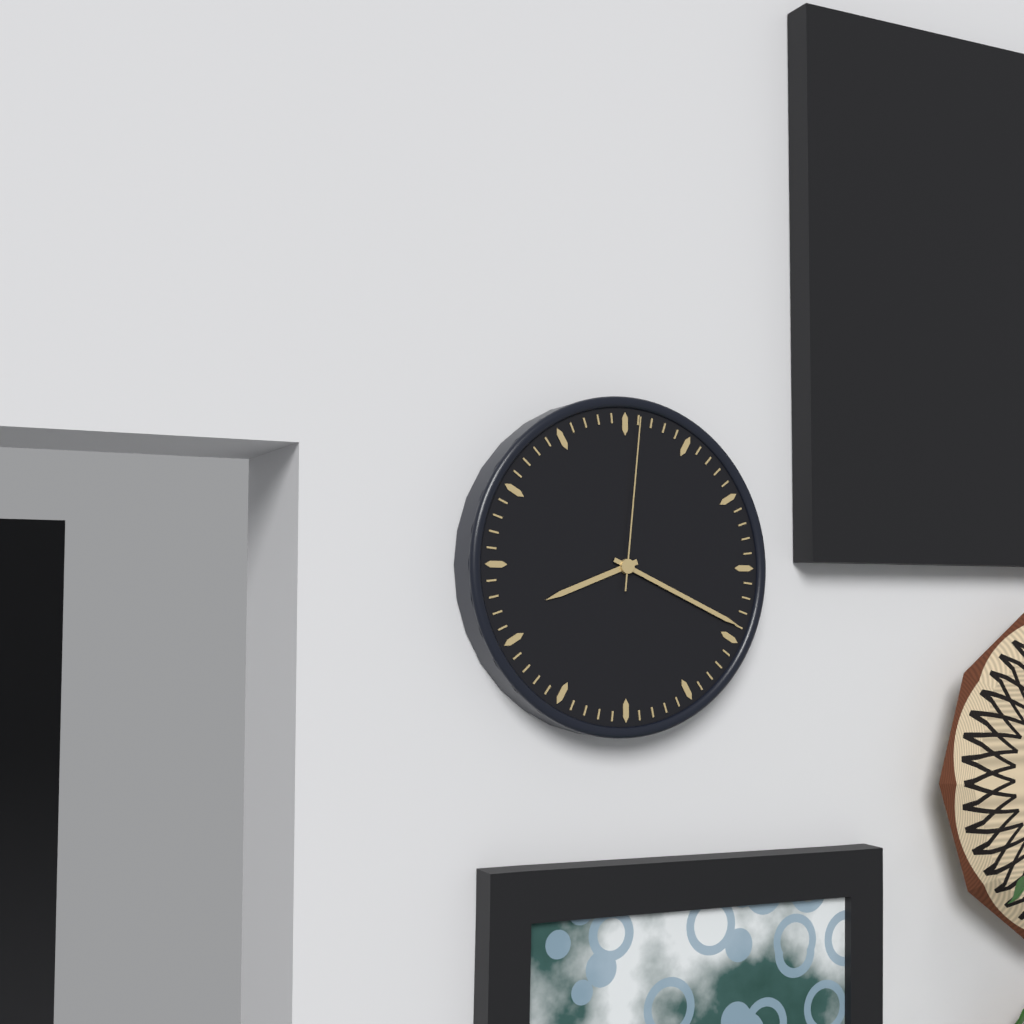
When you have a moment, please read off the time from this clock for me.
8:19:01
